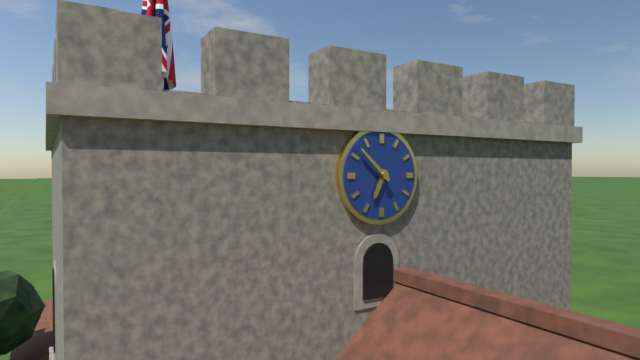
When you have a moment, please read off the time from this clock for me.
6:52
